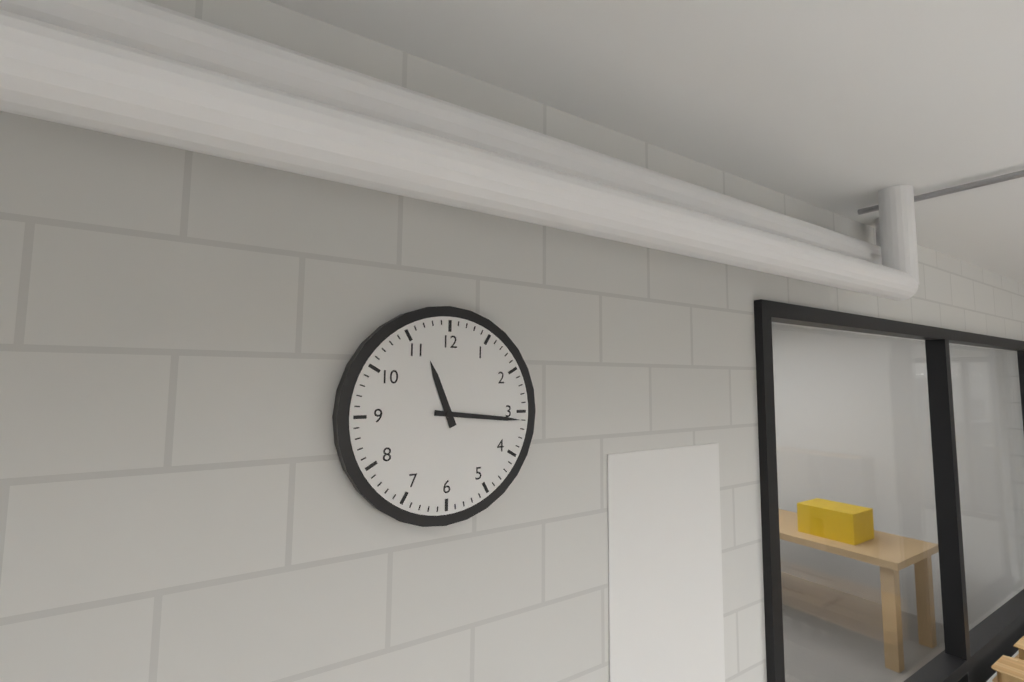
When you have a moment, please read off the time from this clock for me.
11:16
